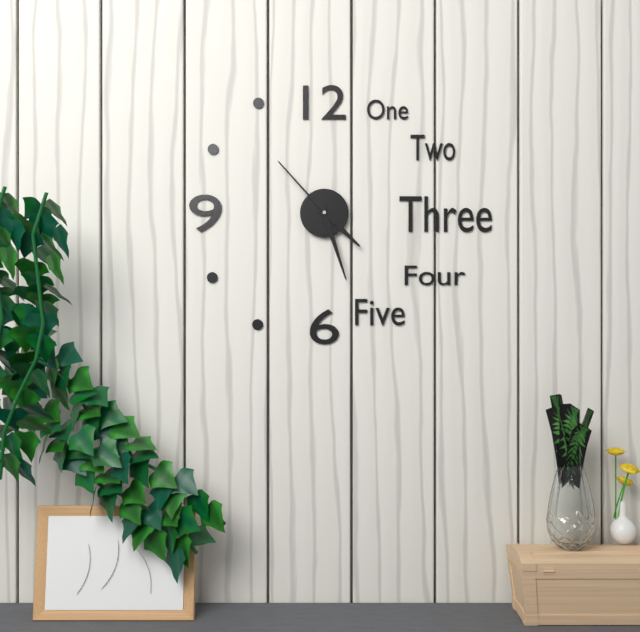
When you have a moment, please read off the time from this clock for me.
4:27:53
